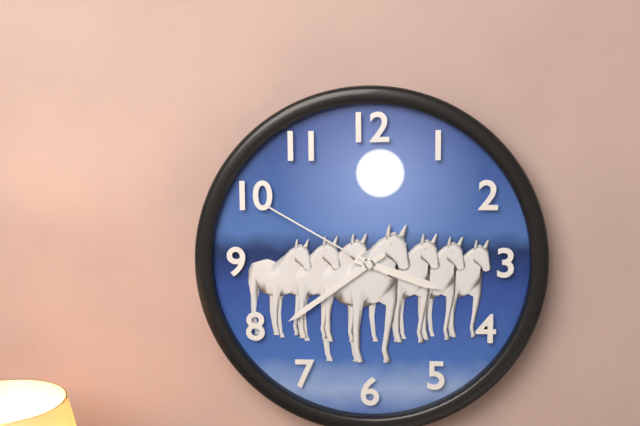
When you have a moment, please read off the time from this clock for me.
3:39:50
